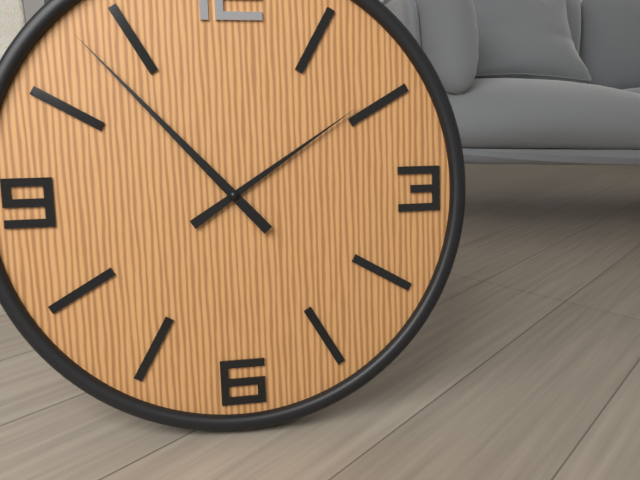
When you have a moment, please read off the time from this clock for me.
1:53
